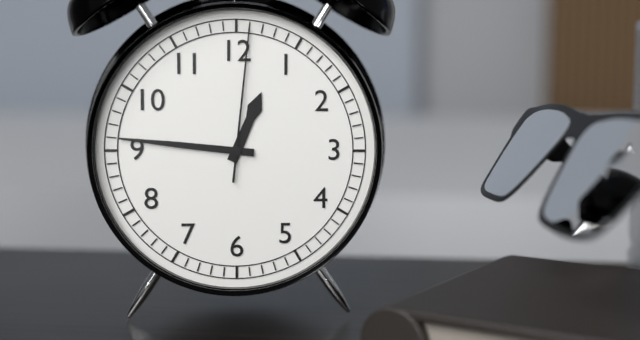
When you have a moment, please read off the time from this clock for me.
12:46:01
